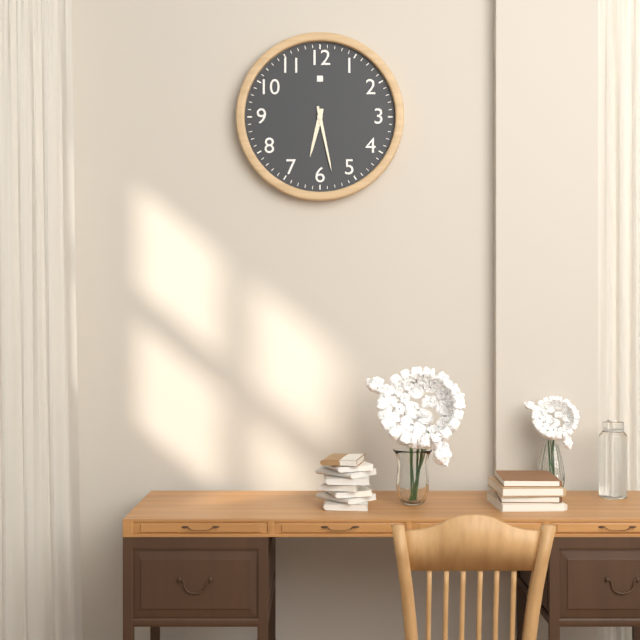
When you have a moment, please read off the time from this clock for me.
6:28
